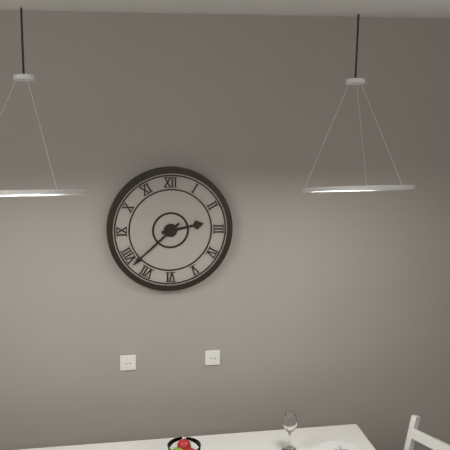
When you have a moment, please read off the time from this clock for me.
2:38
